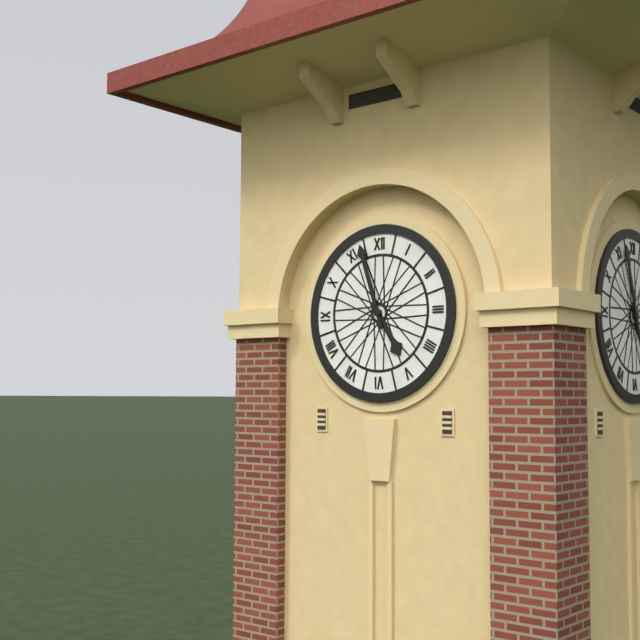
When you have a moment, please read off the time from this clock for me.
4:57
